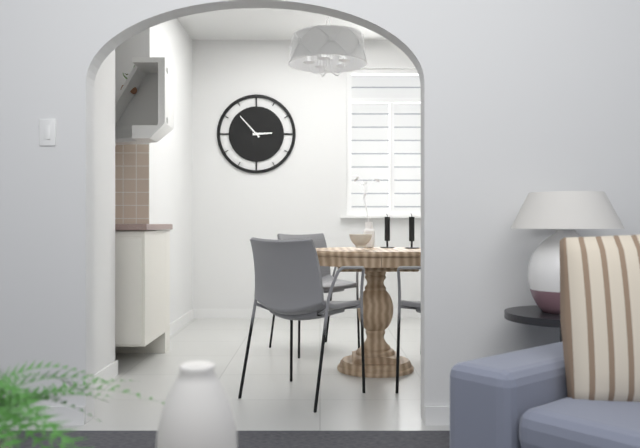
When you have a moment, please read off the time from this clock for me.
2:53
